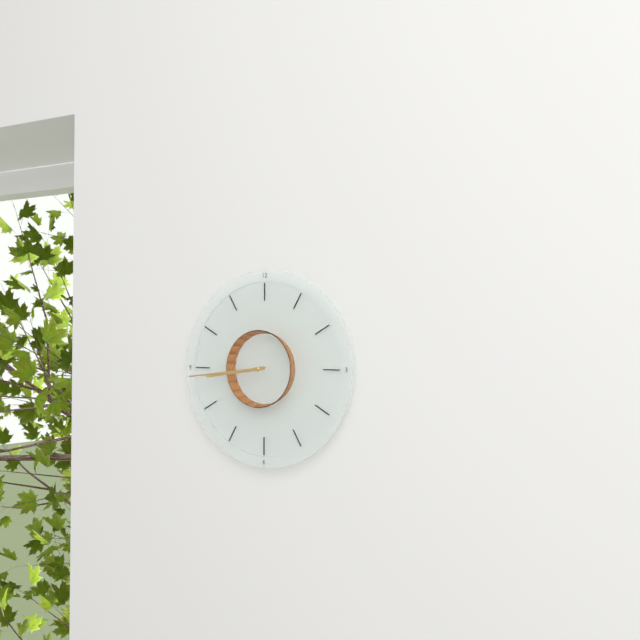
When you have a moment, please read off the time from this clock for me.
8:44
